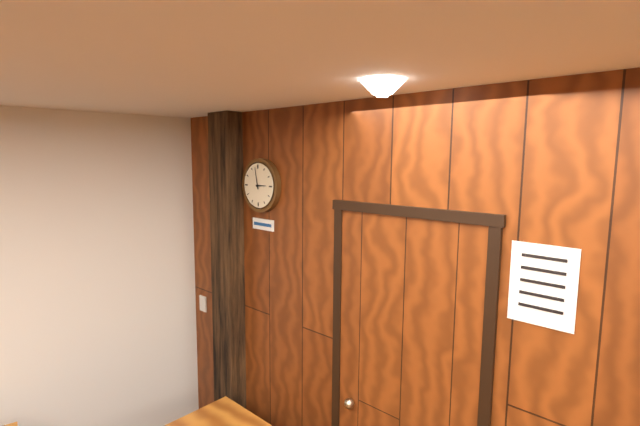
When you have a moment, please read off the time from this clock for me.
2:58
